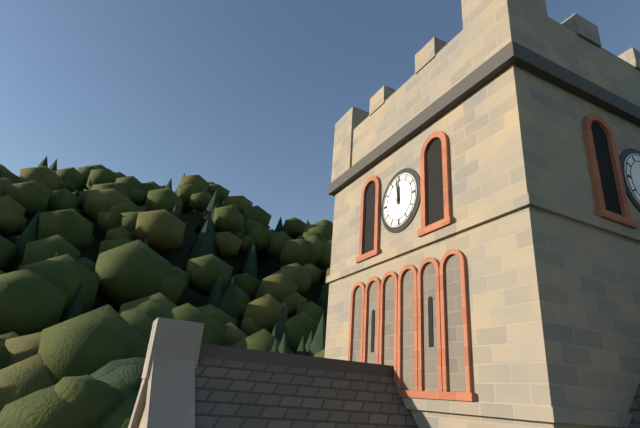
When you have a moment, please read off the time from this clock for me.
11:59
